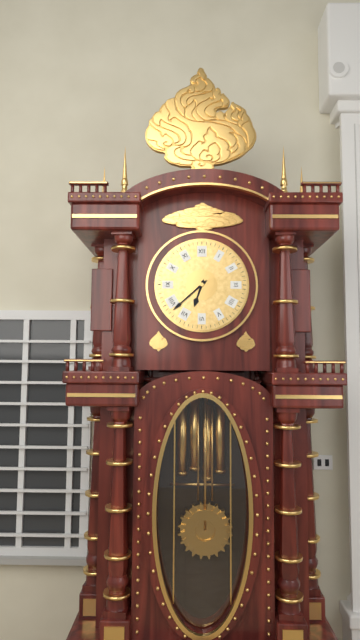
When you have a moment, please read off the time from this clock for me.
6:38
